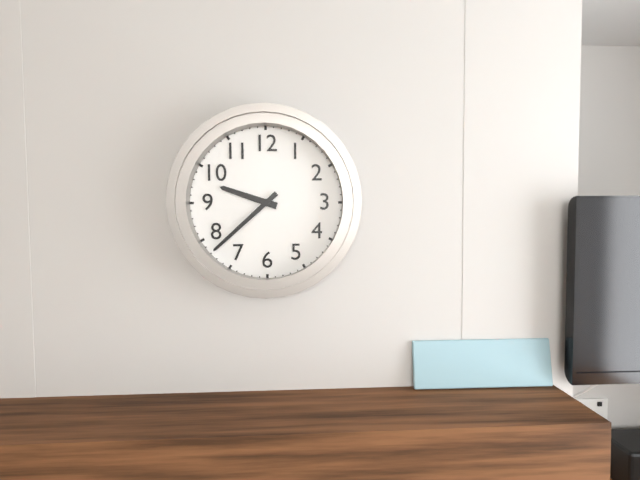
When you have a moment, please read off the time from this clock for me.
9:38
